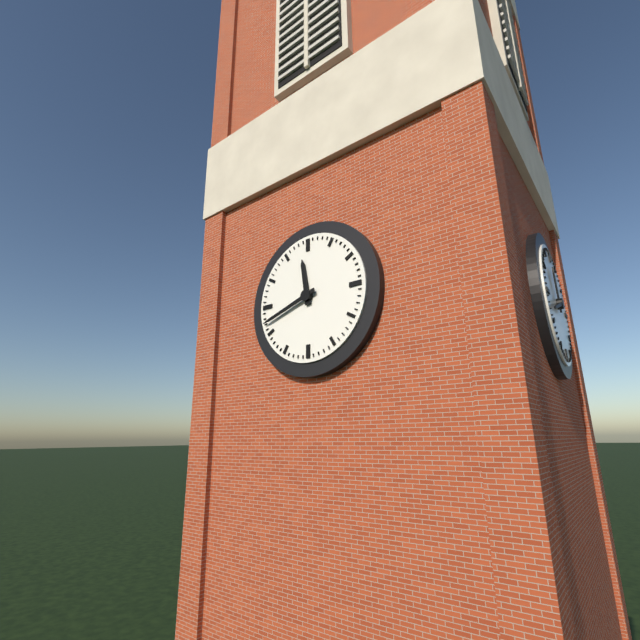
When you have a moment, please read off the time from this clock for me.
11:42
